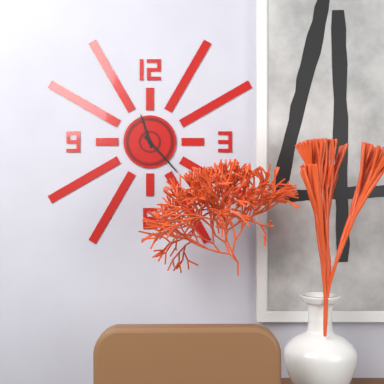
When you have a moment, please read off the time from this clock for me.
11:23
